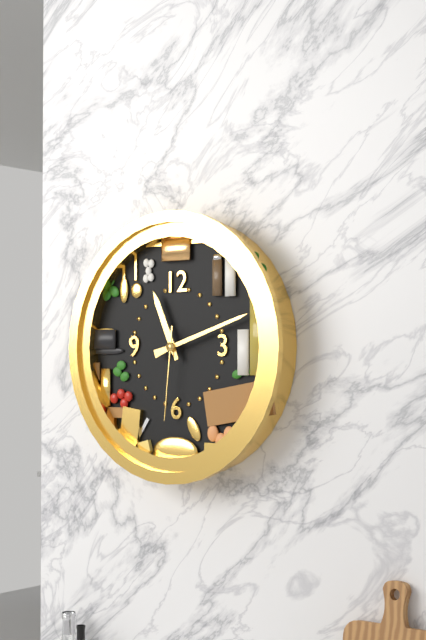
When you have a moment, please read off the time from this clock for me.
11:12:31
